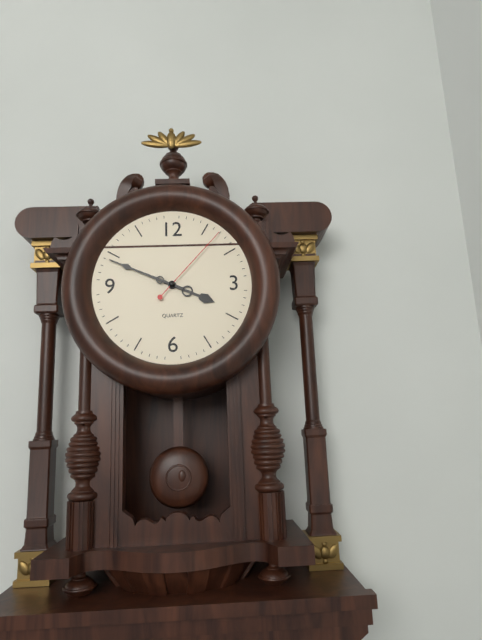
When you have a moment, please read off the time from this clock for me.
3:49:07
